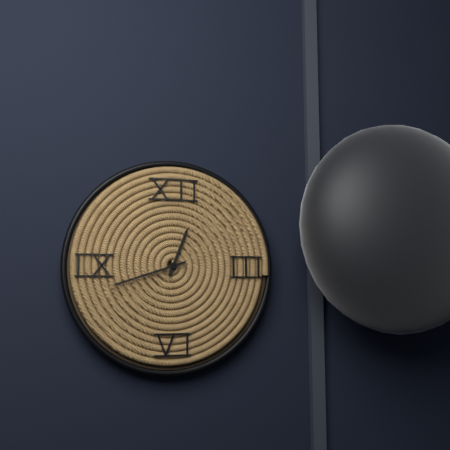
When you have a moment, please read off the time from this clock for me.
12:42
